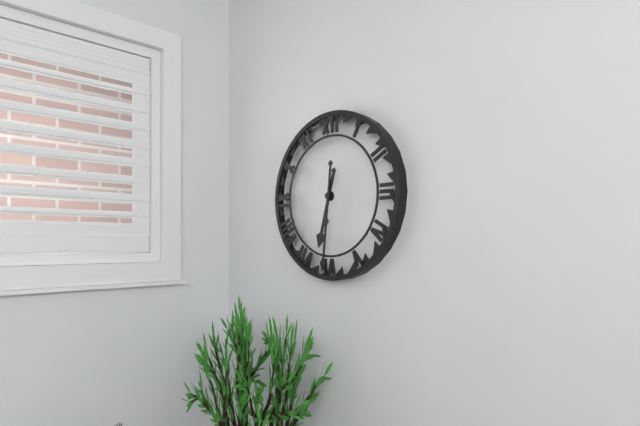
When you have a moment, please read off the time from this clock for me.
6:31
